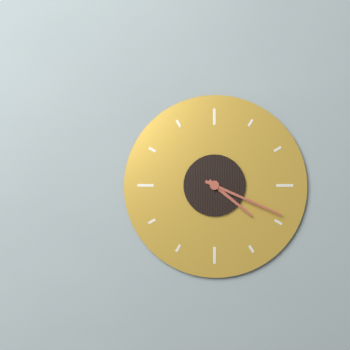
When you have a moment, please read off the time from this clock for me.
4:19
